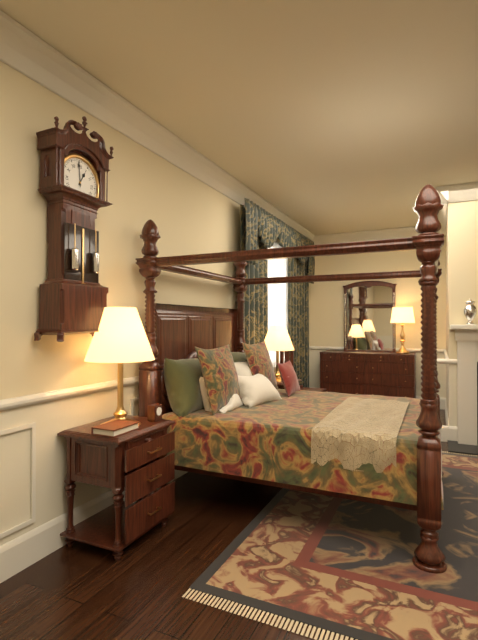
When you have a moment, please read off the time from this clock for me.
12:59
